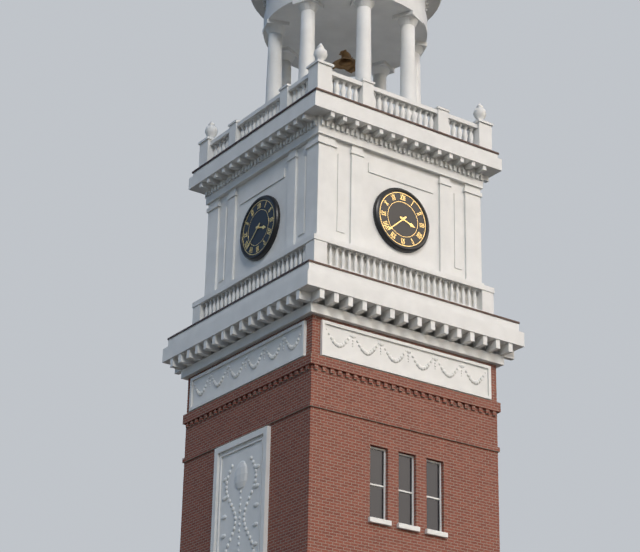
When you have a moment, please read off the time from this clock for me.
3:38
